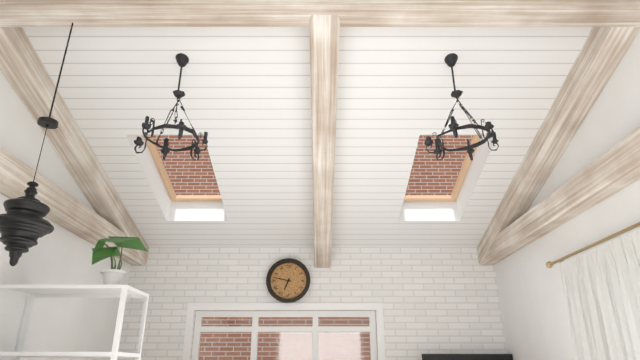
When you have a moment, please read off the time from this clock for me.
6:47
